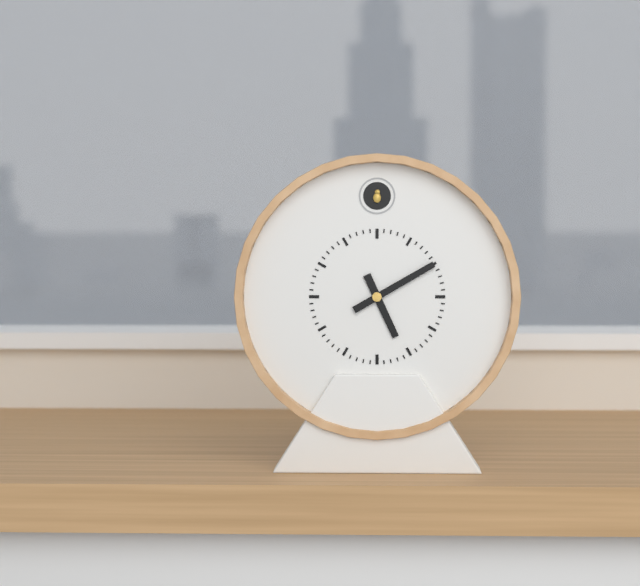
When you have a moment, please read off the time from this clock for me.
5:10
